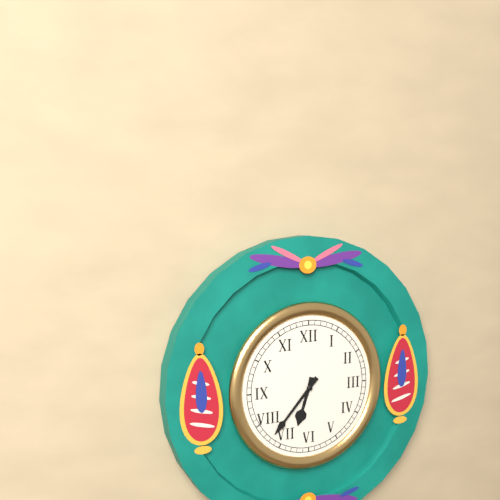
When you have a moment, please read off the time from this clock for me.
6:37
